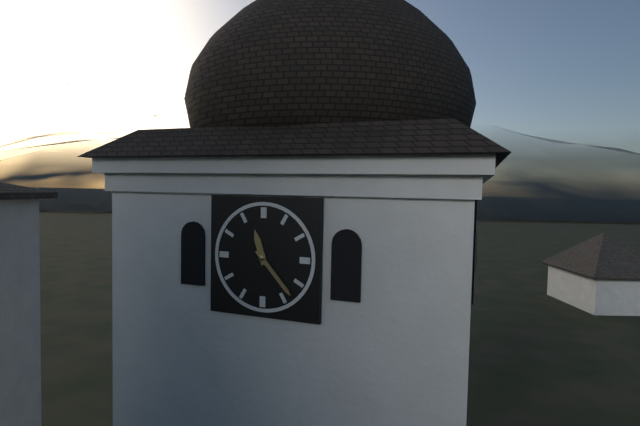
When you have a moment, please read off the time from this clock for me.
11:23
